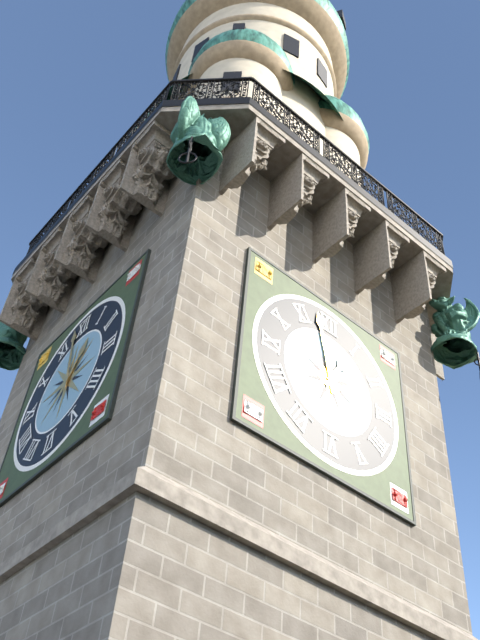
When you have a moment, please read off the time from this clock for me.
12:58
